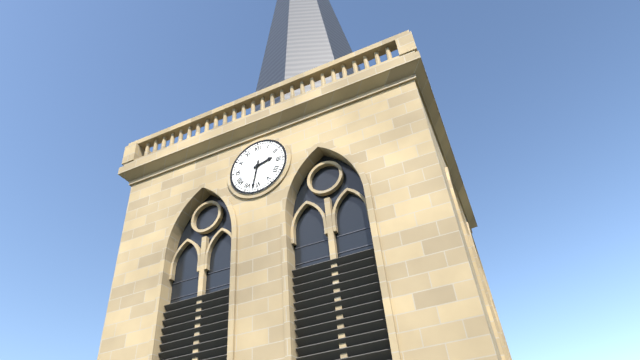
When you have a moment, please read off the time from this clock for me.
2:32
